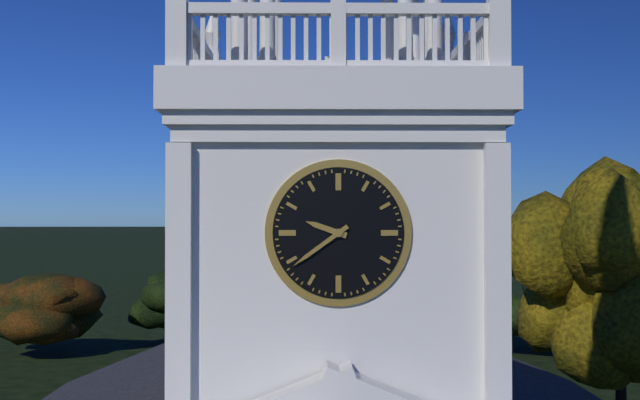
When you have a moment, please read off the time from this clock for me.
9:39
